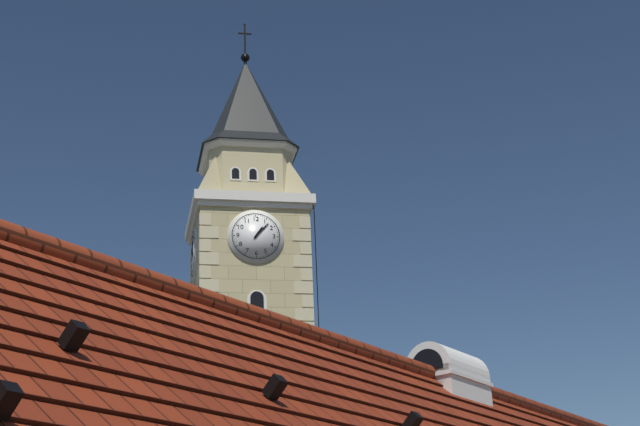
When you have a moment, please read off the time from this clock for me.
1:07
